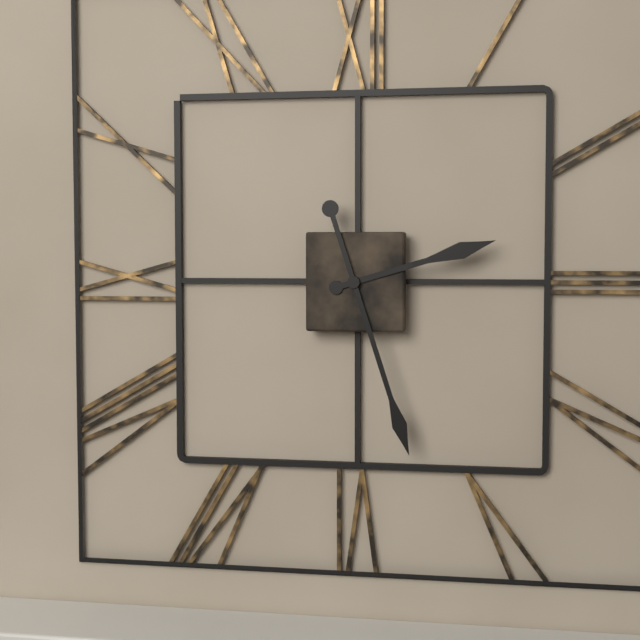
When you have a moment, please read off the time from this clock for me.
2:27
